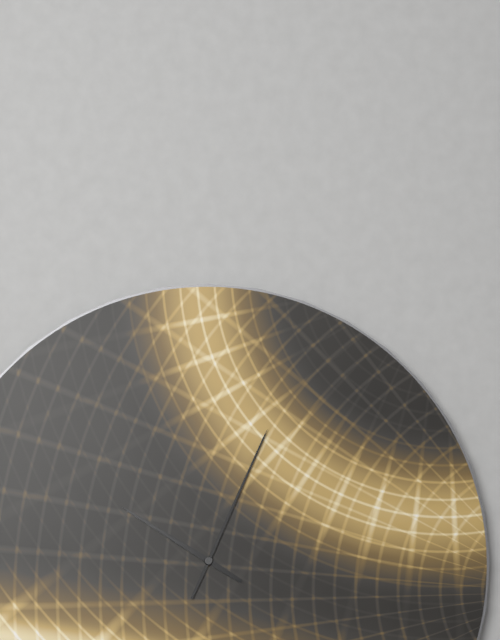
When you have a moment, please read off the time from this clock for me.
10:04
